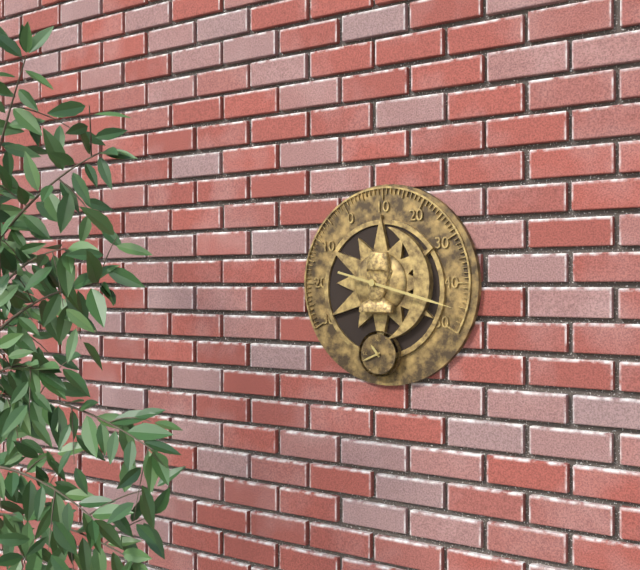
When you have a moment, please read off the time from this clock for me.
10:41
